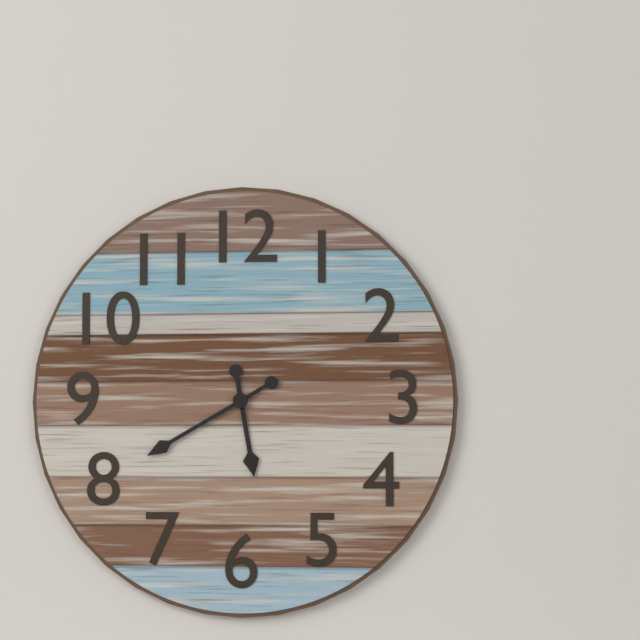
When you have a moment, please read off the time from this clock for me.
5:40
